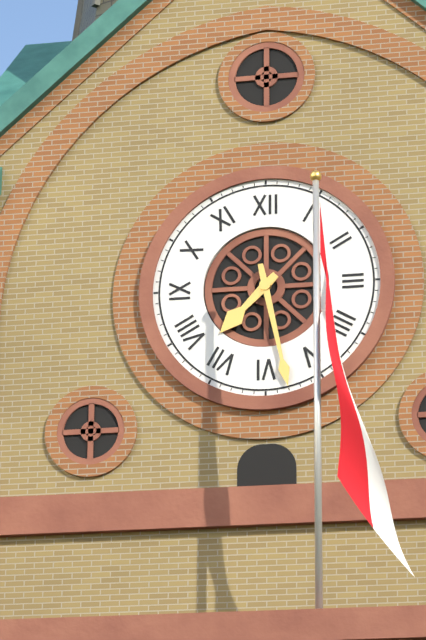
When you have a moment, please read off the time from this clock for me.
7:28
